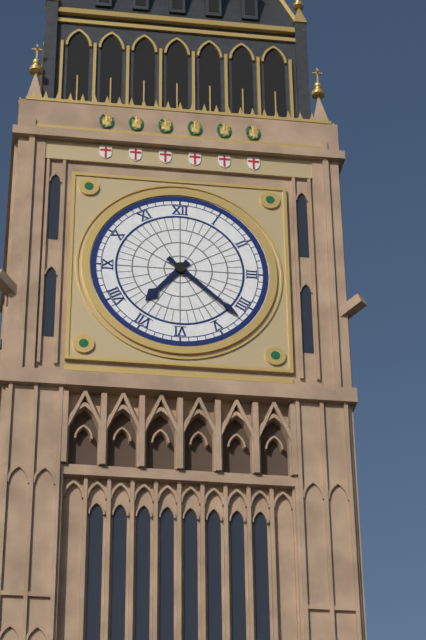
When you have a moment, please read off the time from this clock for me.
7:22
